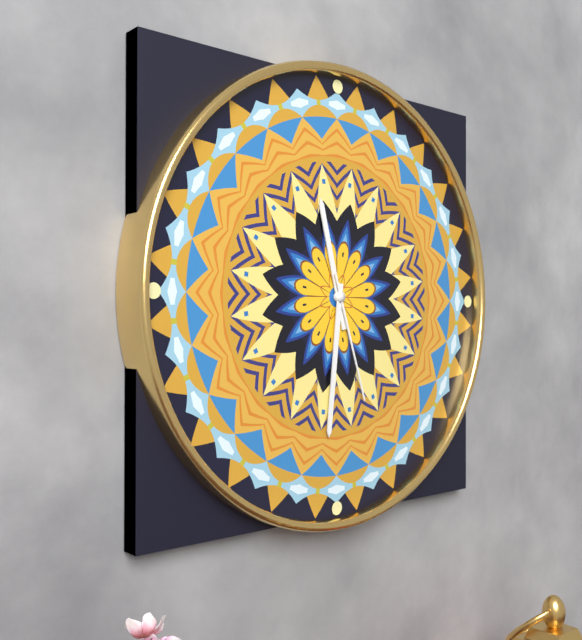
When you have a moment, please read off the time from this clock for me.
11:31:27
